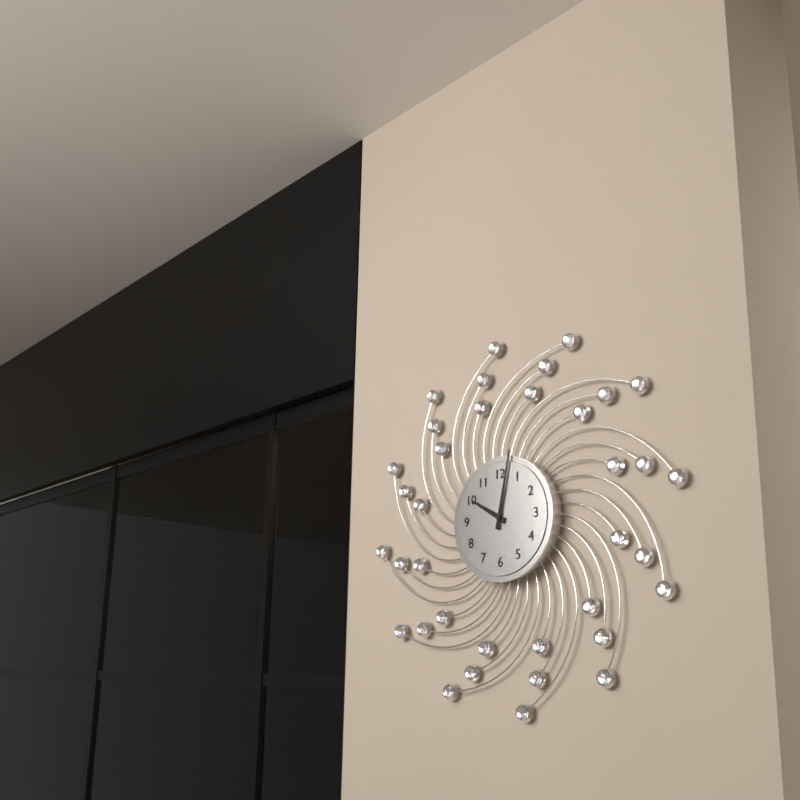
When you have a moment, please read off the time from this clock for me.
10:02
